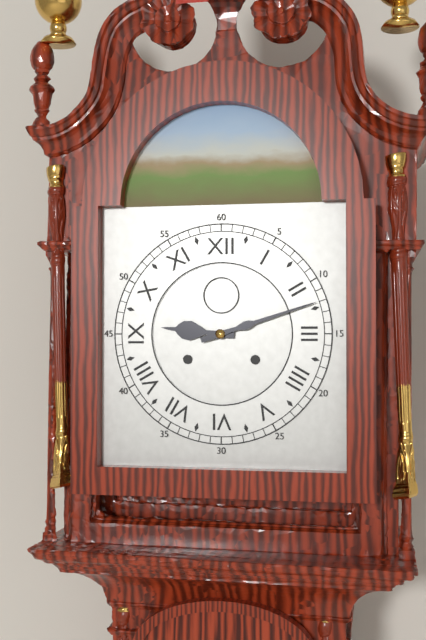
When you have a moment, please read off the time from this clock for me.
9:12
